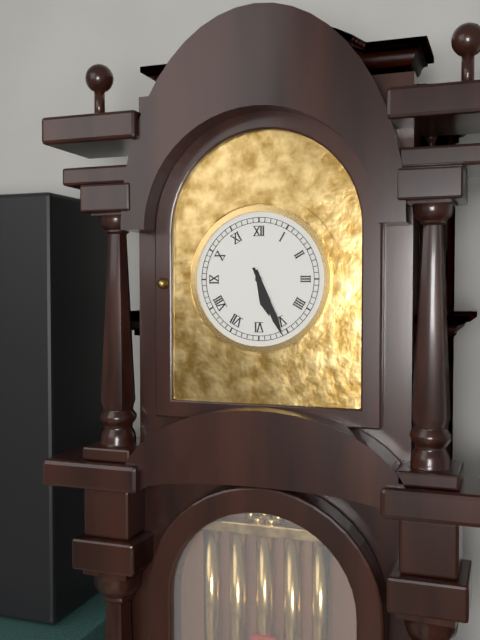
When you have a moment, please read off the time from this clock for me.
5:26
